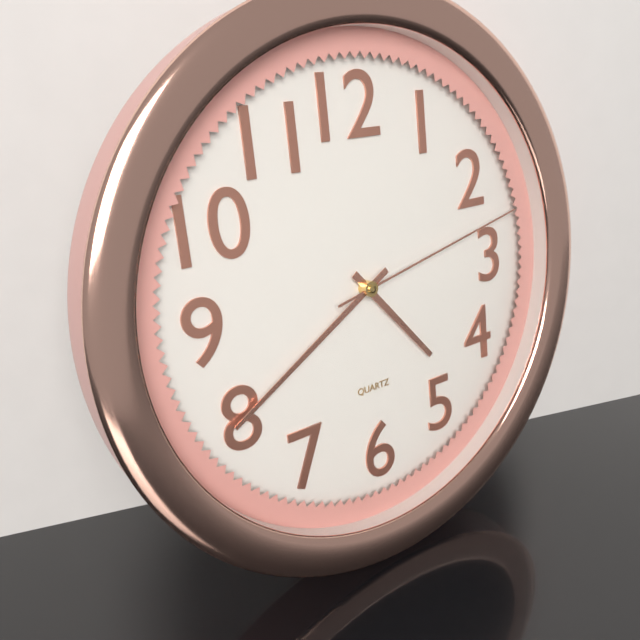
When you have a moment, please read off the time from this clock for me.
4:40:13
